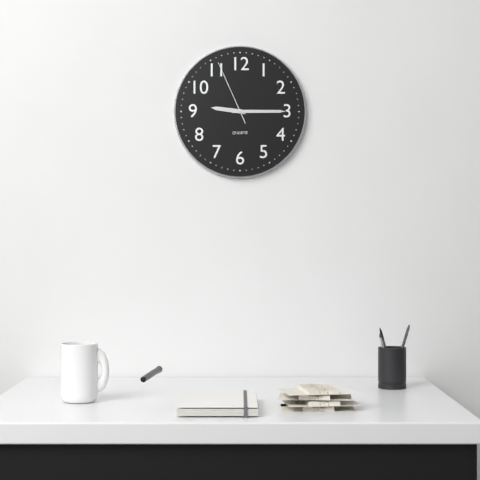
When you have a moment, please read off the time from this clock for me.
9:15:56
